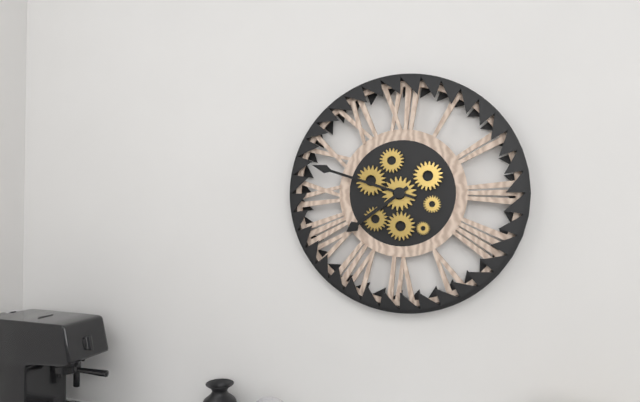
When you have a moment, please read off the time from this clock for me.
7:48
